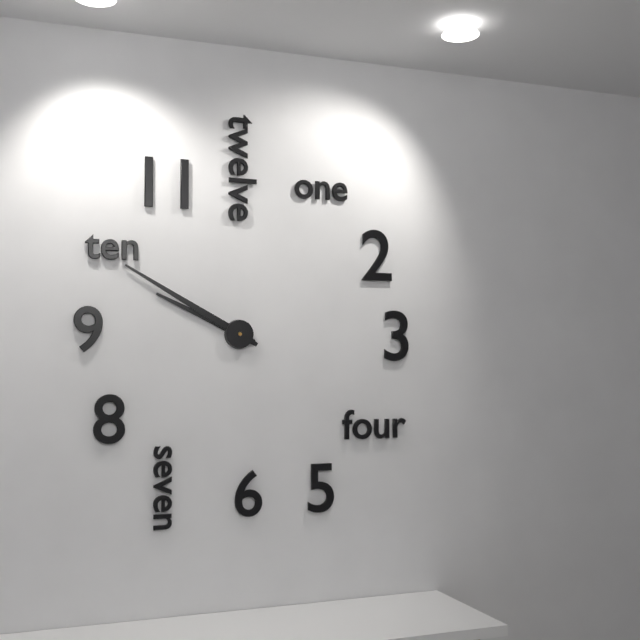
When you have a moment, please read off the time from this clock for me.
9:50
